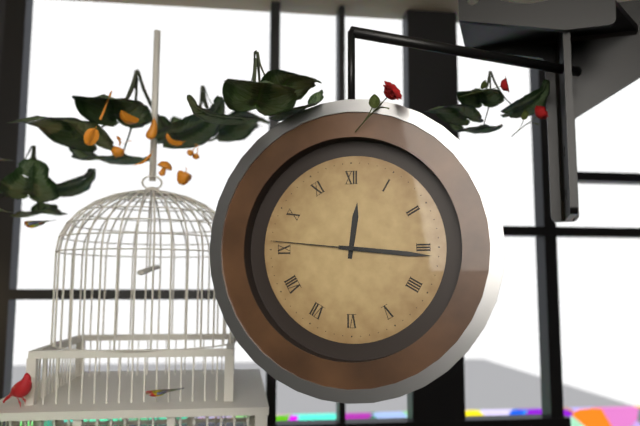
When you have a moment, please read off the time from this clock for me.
12:16:46
